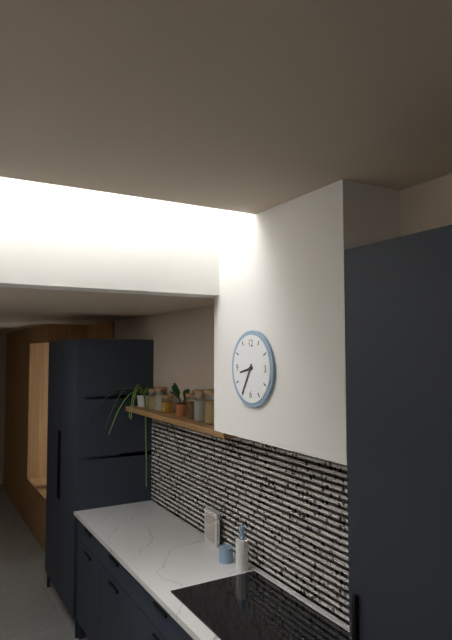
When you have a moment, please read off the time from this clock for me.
8:35
